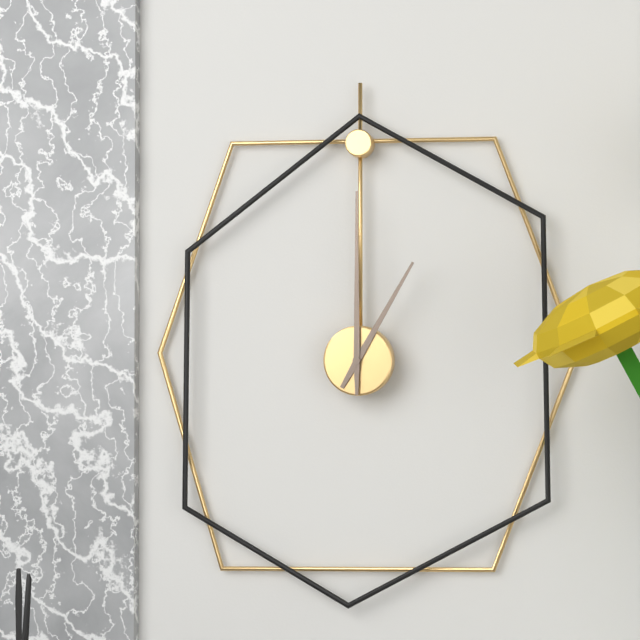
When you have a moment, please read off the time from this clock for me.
1:00
